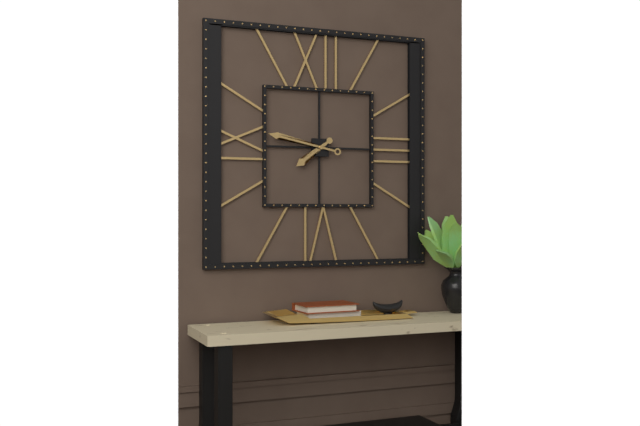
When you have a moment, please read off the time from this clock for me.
7:47
